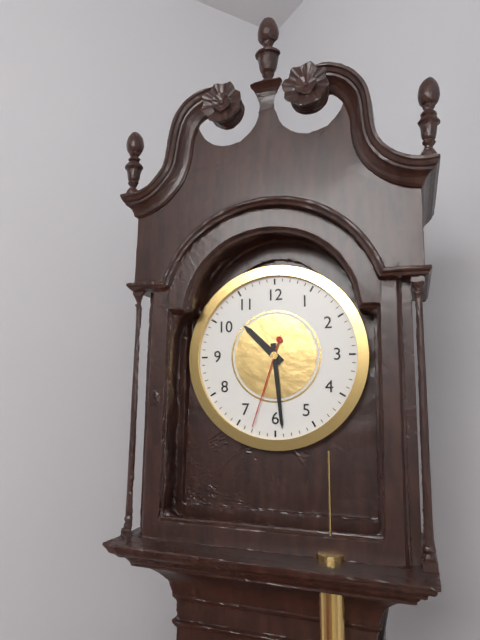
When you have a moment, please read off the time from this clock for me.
10:29:33
